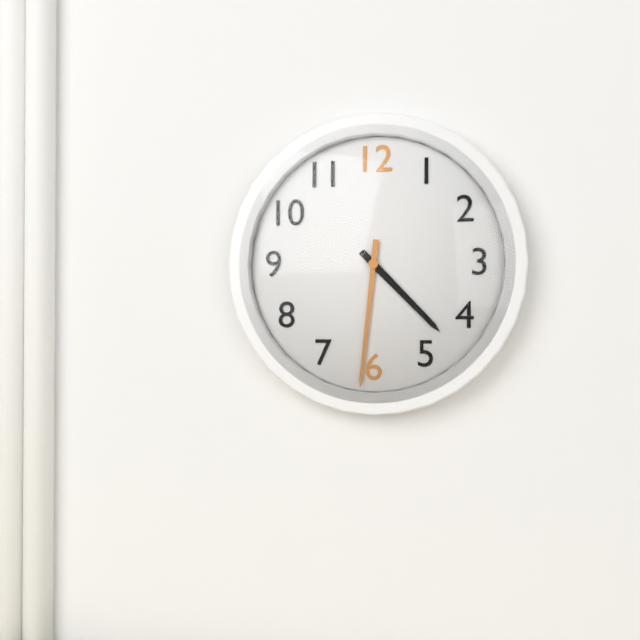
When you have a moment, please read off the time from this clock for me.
4:31
